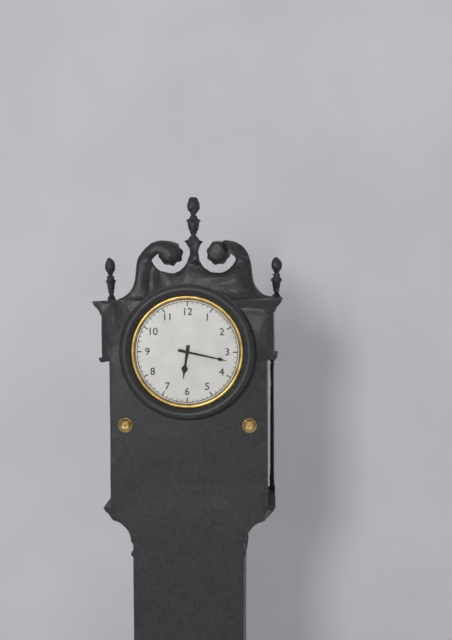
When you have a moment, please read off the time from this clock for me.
6:17
